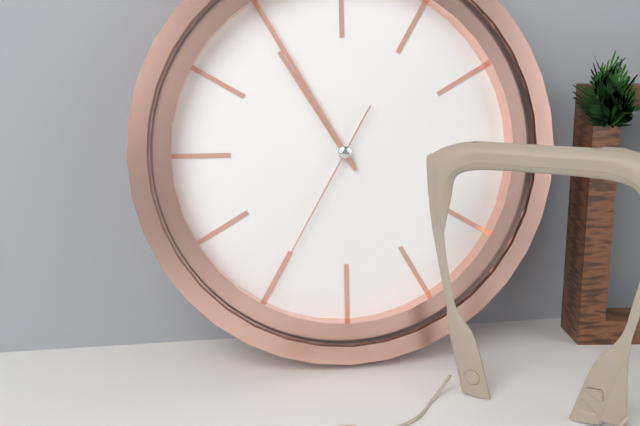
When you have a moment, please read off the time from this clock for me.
10:55:35
